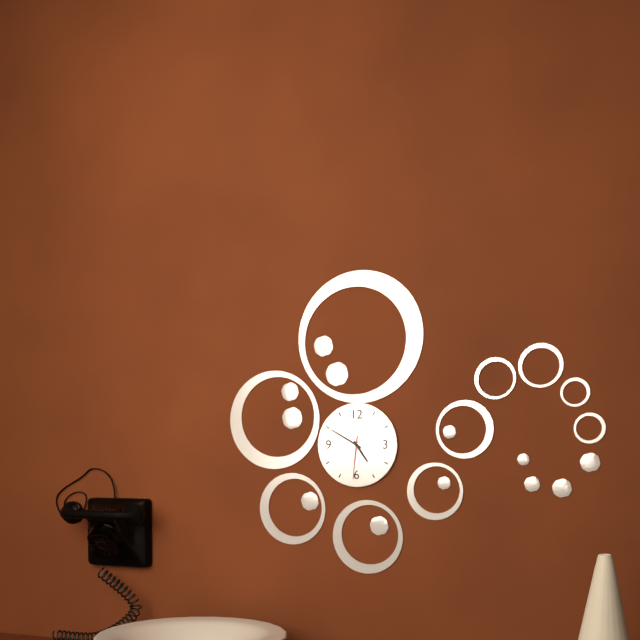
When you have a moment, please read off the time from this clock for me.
4:50
